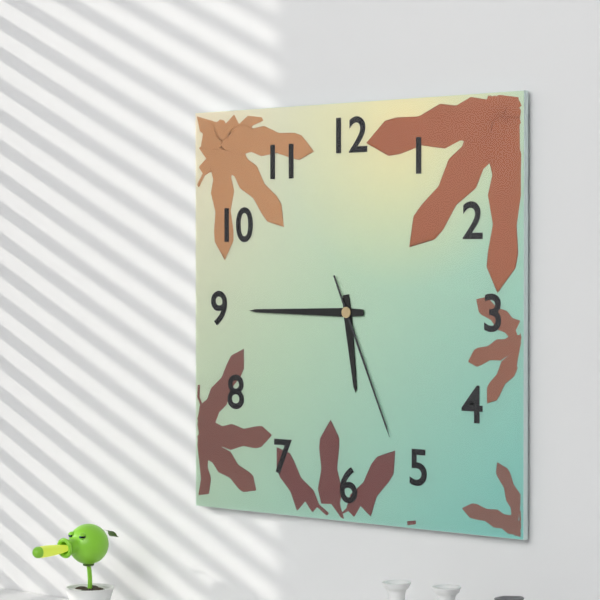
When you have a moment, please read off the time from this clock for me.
5:45:26
